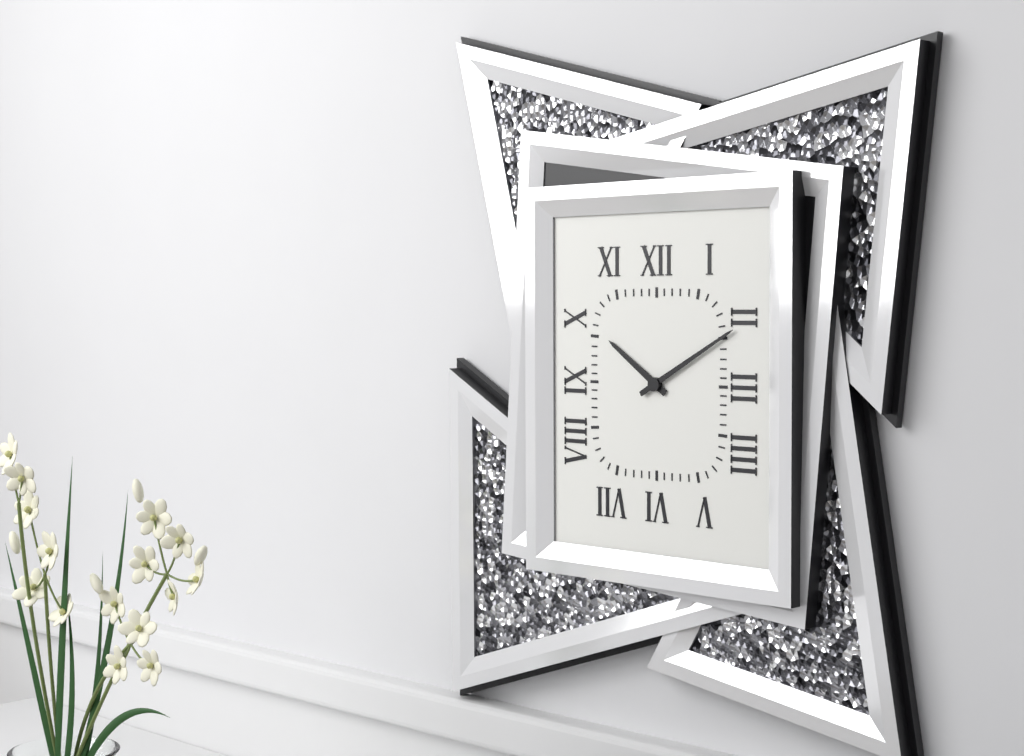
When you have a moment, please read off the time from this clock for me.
10:10
